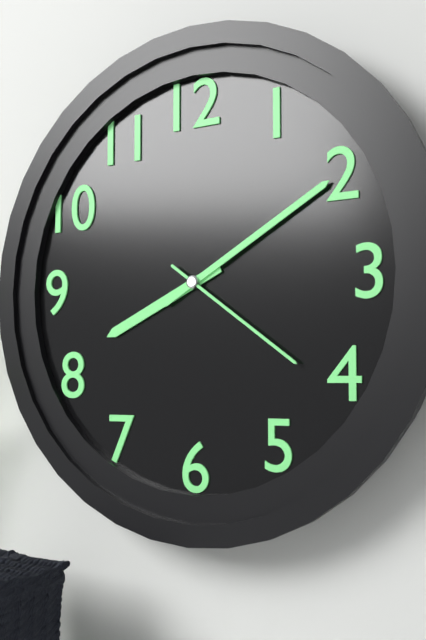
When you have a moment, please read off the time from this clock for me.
8:10:21
